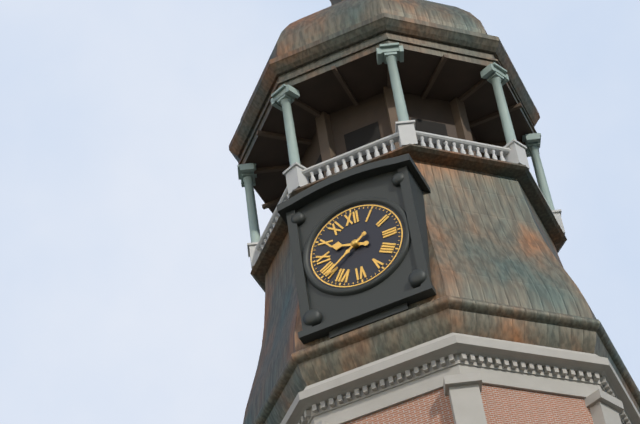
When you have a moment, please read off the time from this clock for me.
9:39
